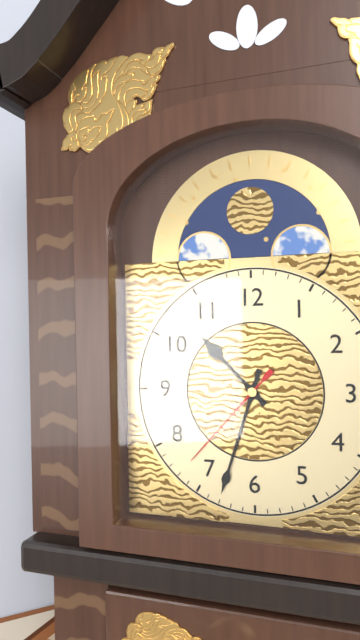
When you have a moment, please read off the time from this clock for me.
10:33:37
